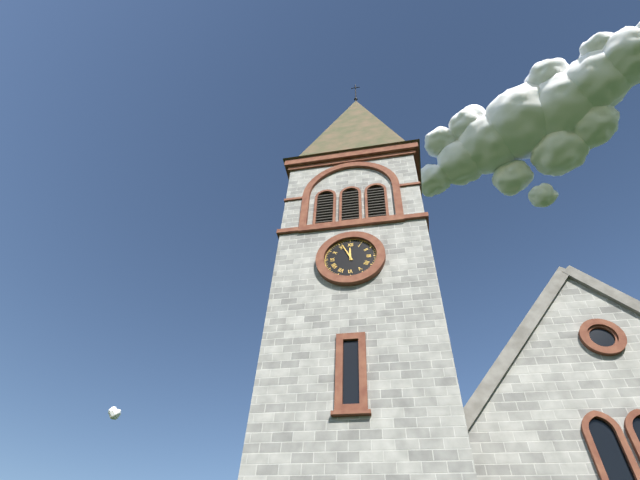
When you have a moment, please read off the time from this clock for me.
11:56
